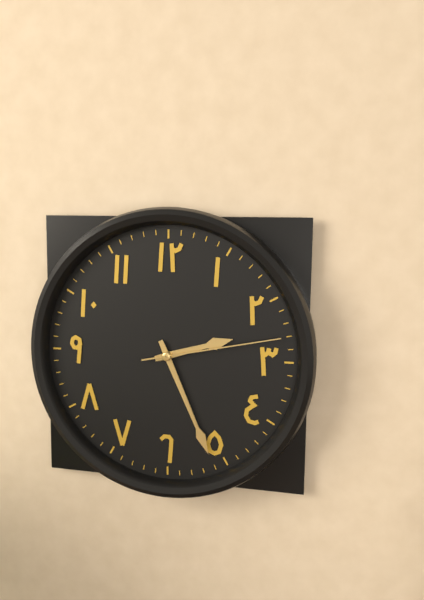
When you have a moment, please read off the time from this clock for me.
2:26:13
